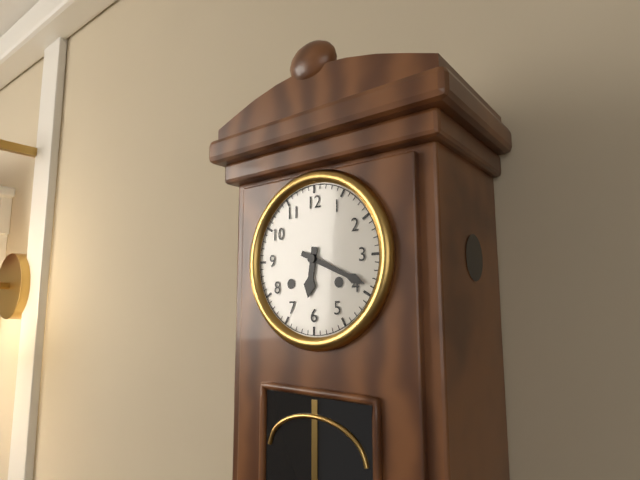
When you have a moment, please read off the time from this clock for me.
6:19
